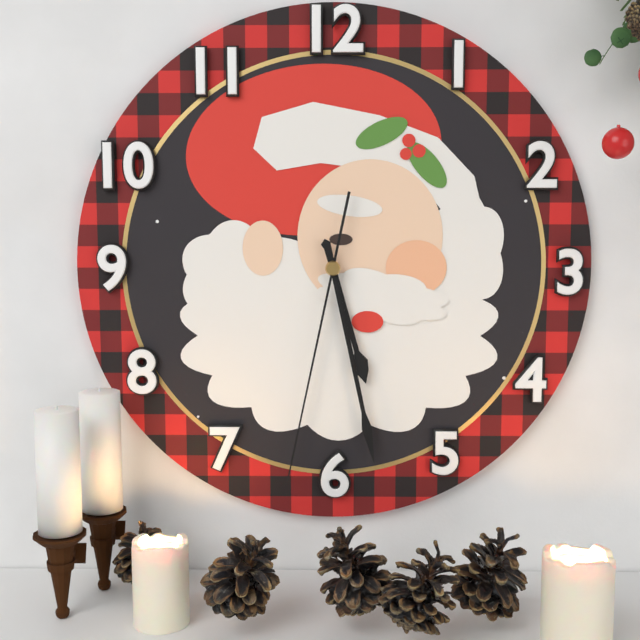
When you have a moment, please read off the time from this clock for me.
5:28:32
